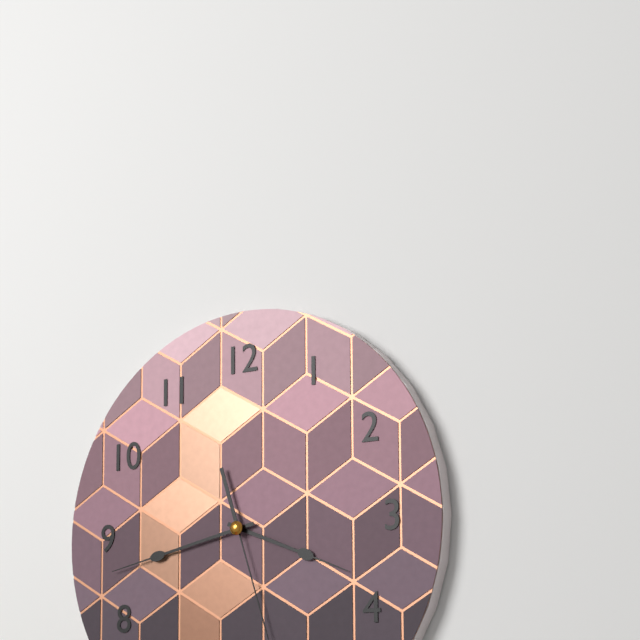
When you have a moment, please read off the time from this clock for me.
3:43
